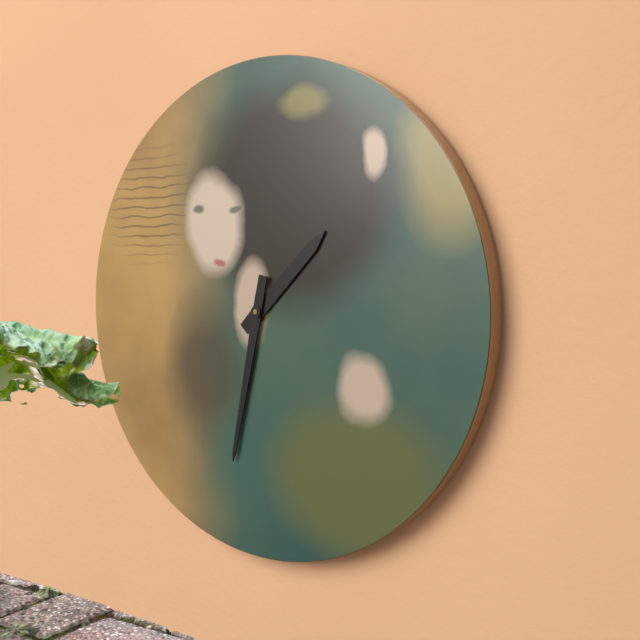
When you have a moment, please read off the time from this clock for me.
1:32
